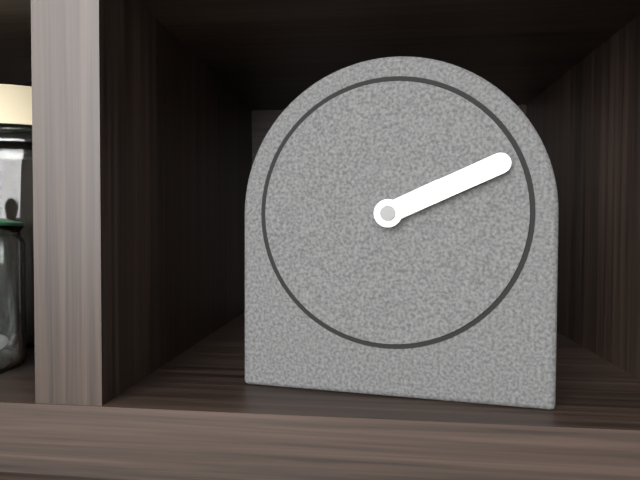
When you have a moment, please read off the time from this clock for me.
2:11
